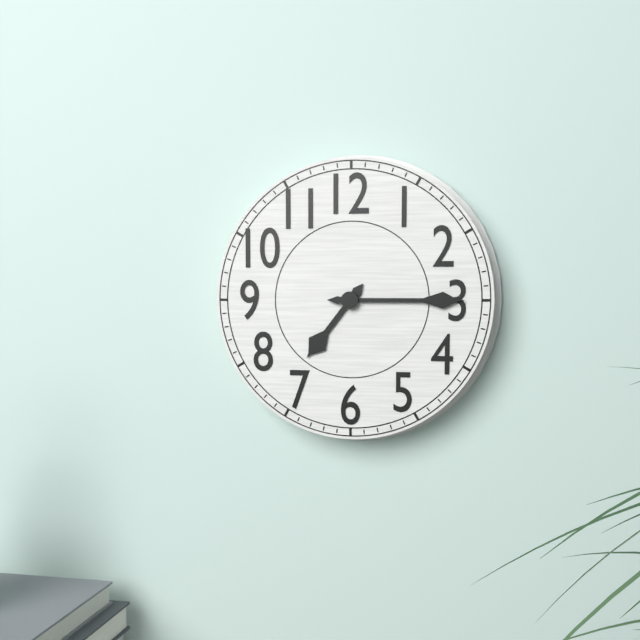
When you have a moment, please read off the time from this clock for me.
7:15
